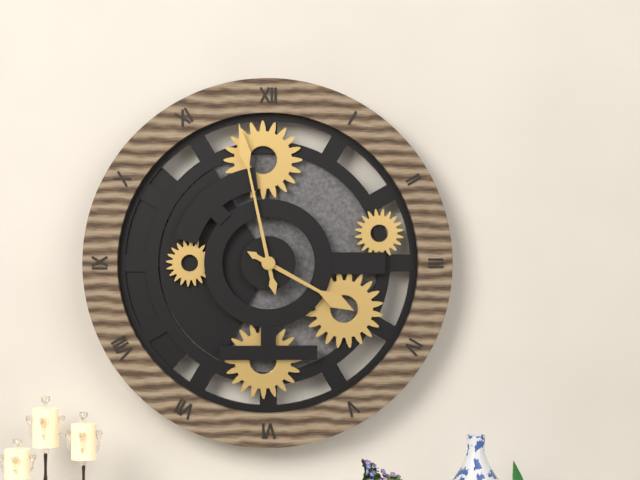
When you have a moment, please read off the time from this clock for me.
3:58
